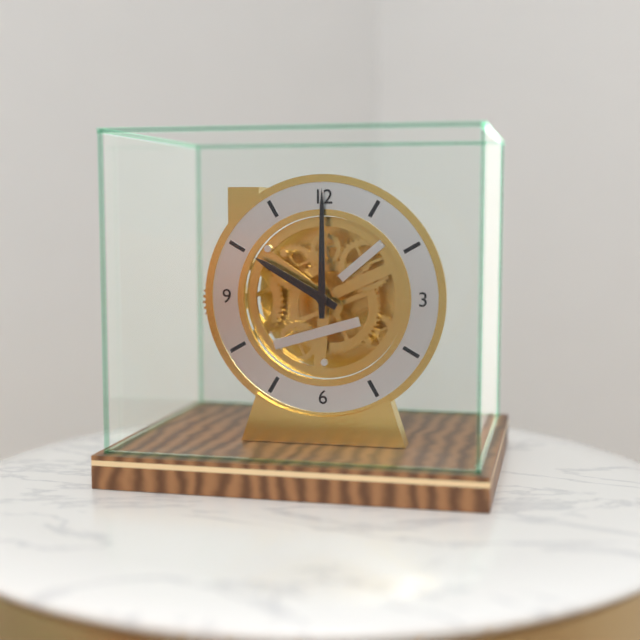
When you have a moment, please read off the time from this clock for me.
10:00
